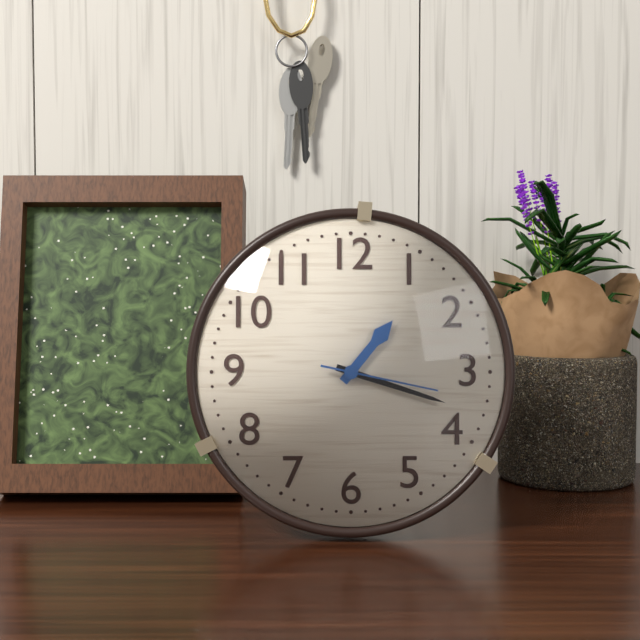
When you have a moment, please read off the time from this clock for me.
1:18:17
